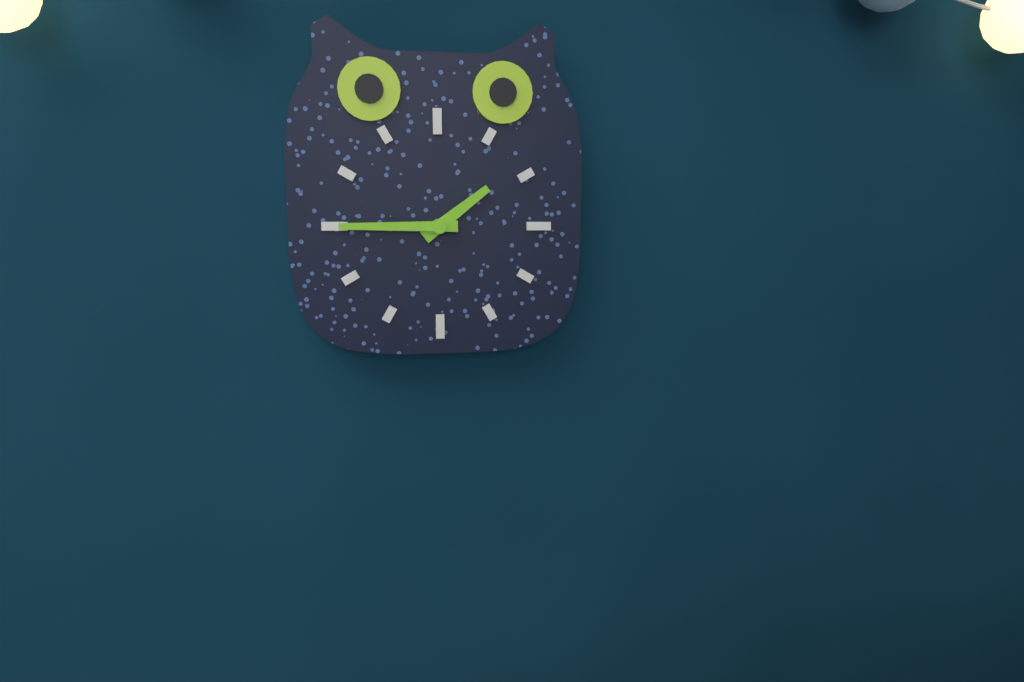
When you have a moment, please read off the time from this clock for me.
1:45
